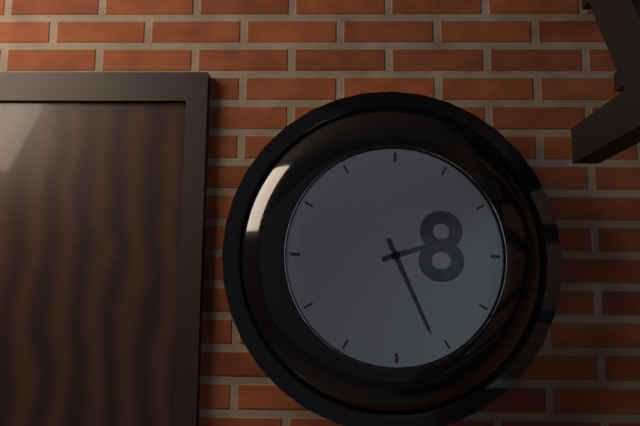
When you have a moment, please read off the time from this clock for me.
2:26
